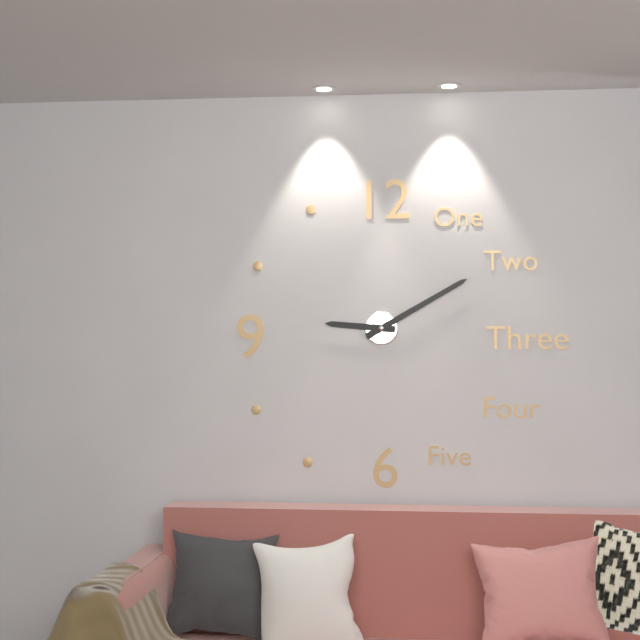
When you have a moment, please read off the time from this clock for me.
9:10
